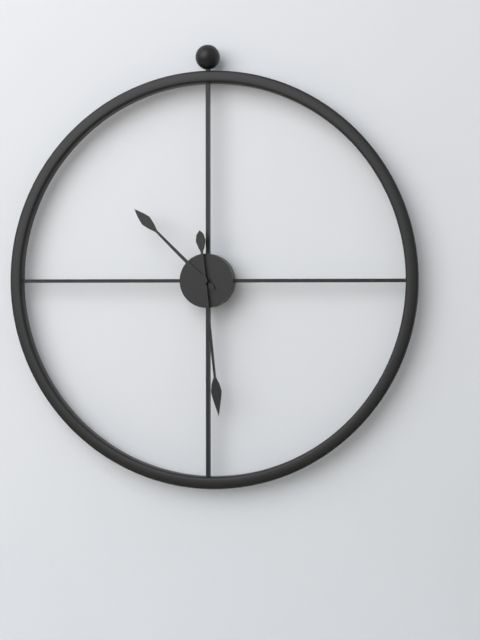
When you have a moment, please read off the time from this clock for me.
10:29
